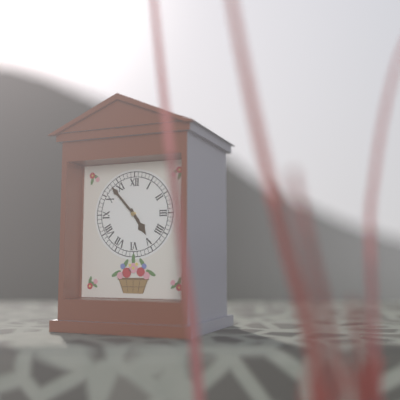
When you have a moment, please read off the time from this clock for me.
4:53
